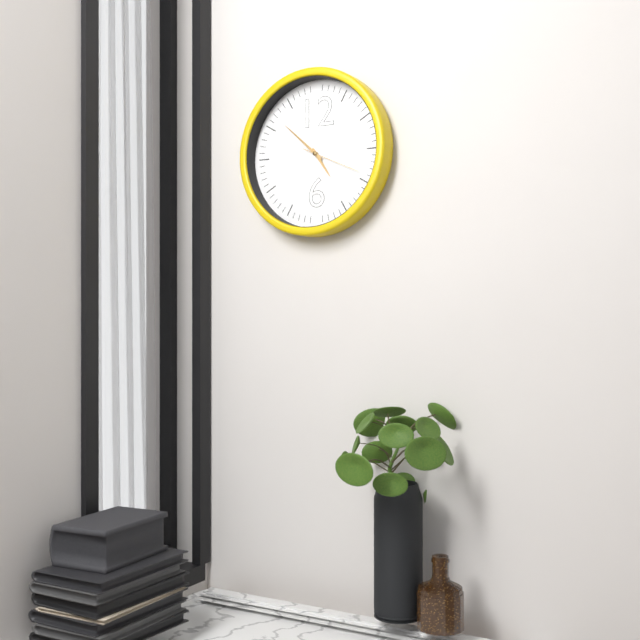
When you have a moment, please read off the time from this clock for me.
4:52:19
